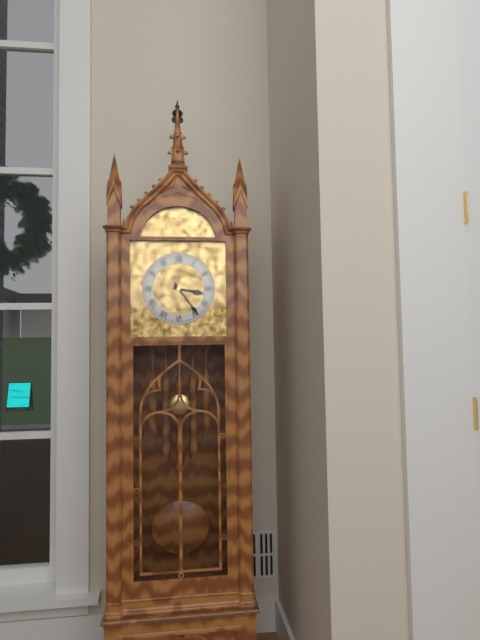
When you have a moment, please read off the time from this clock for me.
3:24
